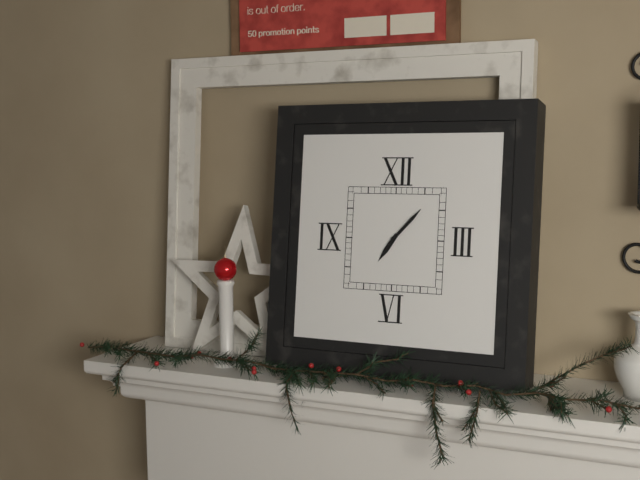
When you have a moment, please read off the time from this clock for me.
7:07
